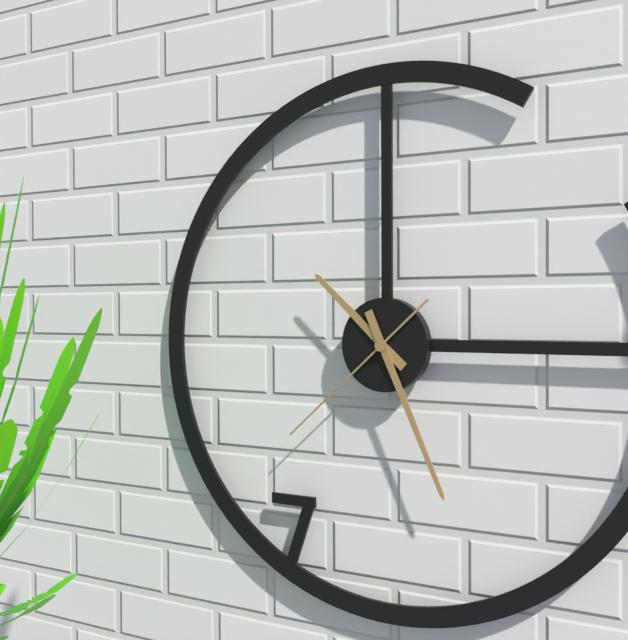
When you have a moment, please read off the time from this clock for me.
10:26:38
